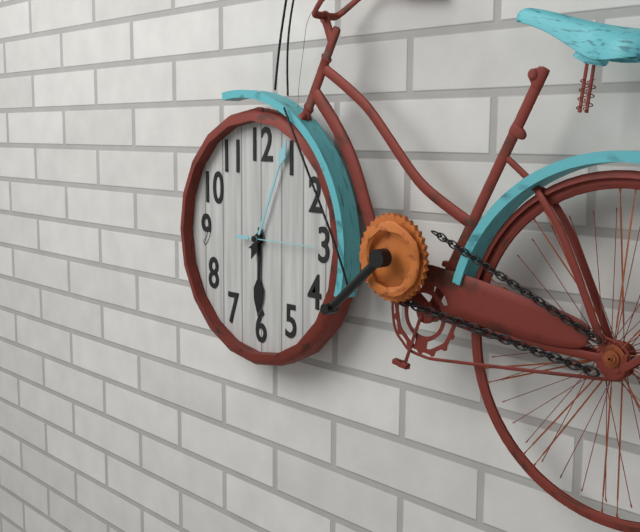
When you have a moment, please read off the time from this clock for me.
6:04:15
